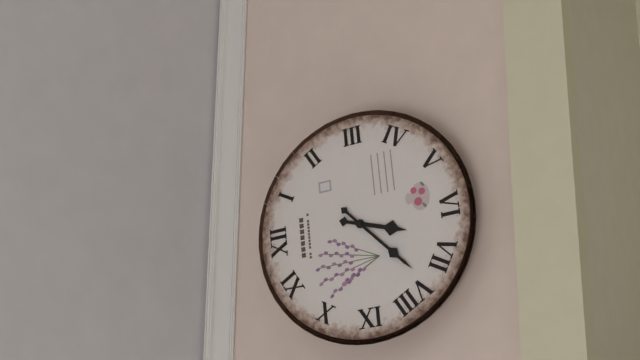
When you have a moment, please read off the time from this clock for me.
6:38
